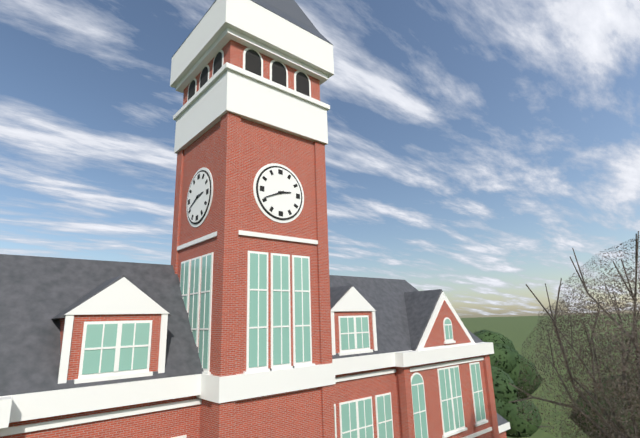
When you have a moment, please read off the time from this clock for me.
2:41
